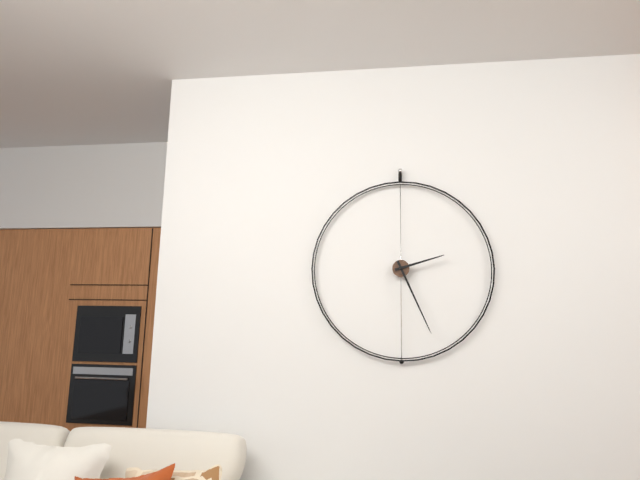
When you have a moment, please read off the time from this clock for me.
2:26
